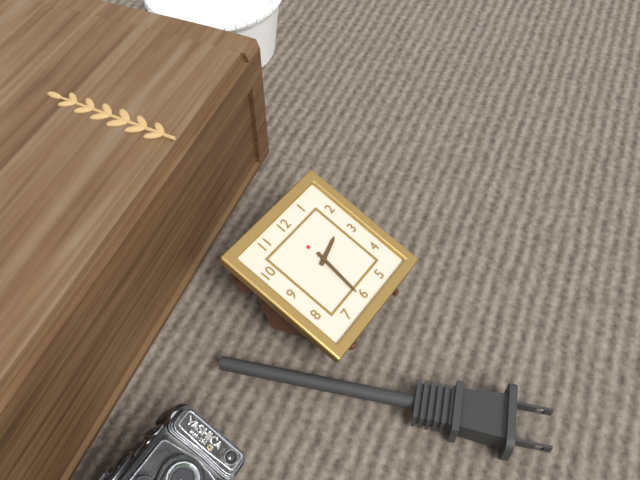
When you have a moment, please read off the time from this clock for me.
2:31
